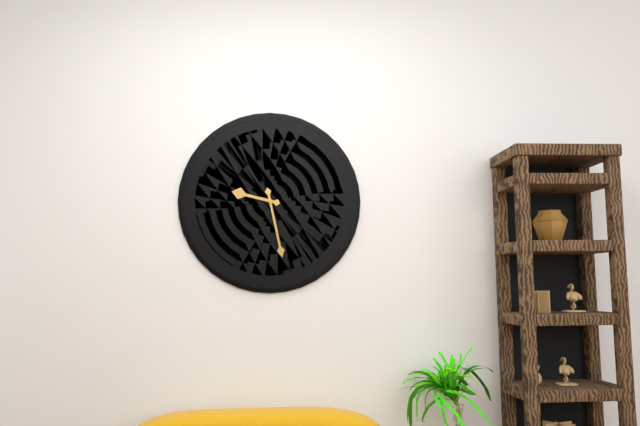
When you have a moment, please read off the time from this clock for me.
9:28
